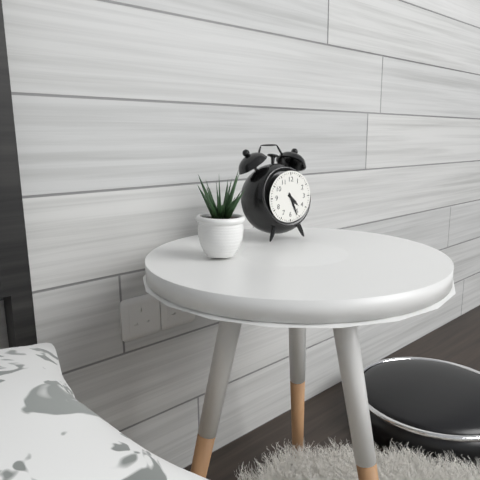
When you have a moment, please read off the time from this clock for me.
4:26
